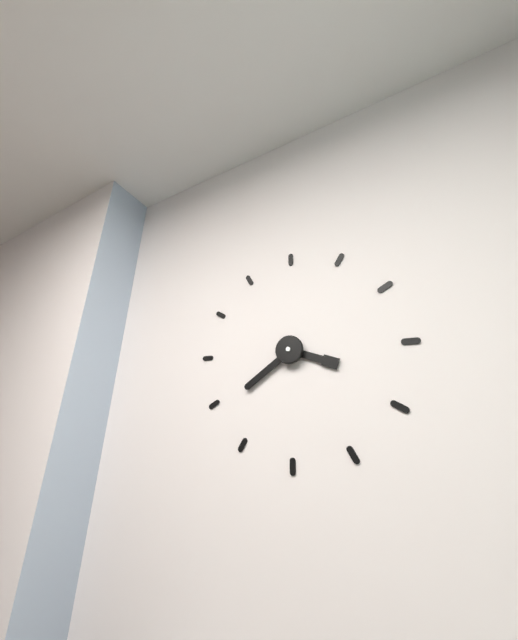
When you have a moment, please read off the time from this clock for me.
3:39
